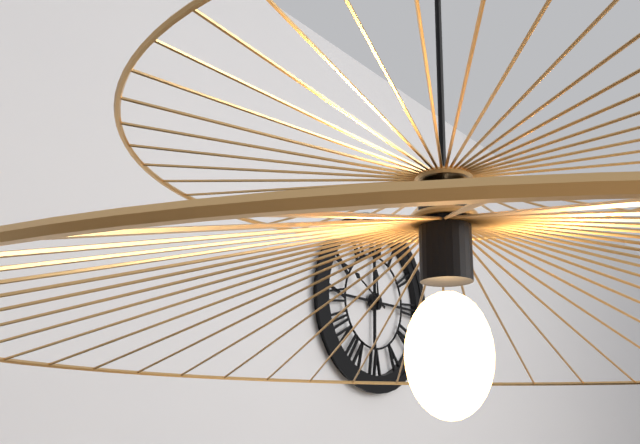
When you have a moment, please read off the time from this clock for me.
11:50
